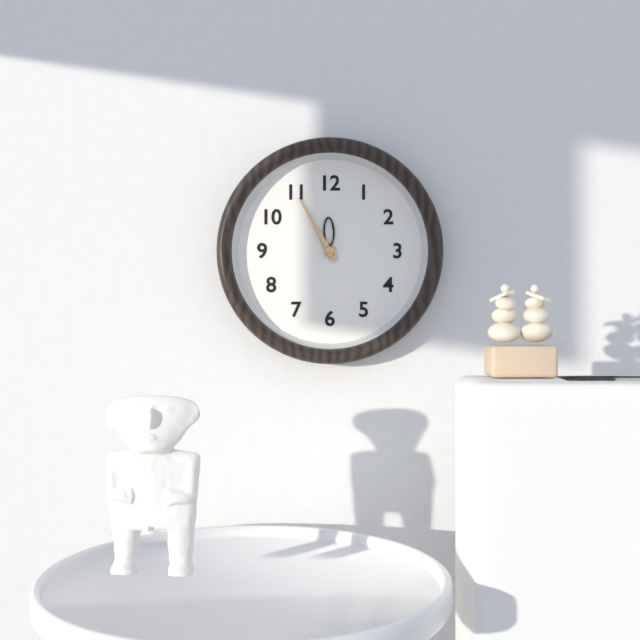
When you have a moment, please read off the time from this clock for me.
11:55
